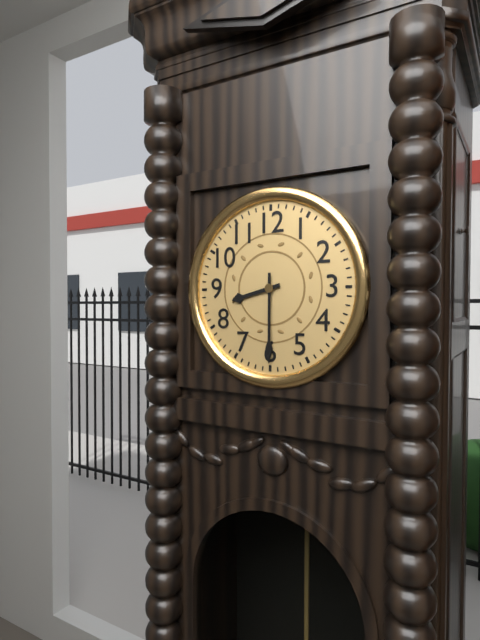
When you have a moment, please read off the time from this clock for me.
8:30
